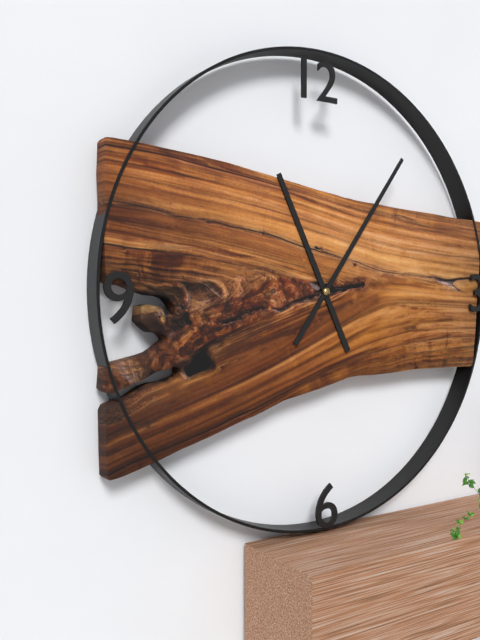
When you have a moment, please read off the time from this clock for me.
11:06
